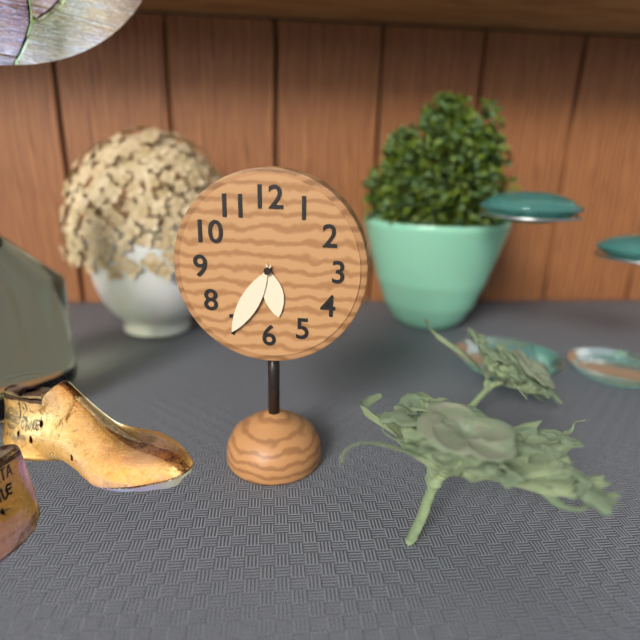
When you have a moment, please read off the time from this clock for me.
5:35
